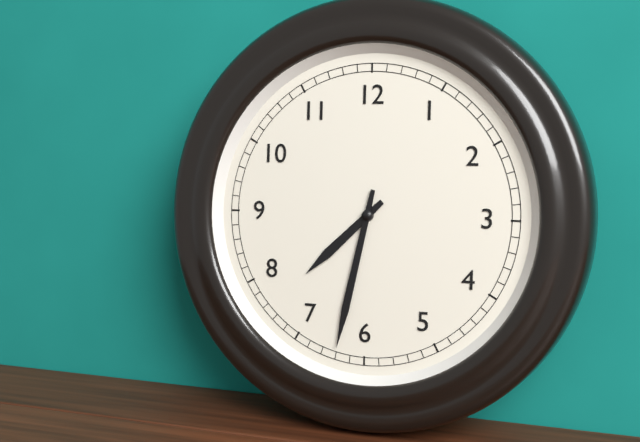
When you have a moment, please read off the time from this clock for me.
7:32
